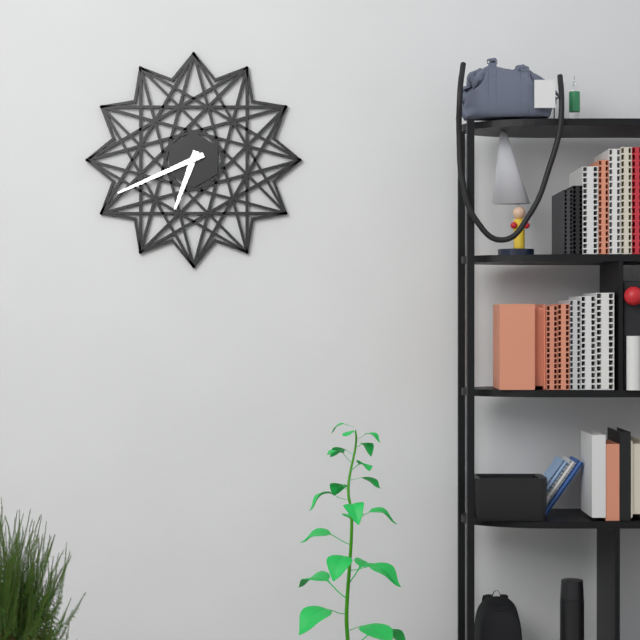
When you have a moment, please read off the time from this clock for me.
6:41
